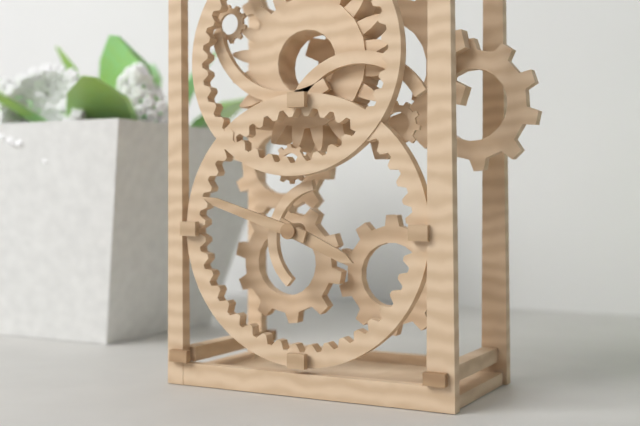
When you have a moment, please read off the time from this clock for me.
3:48
